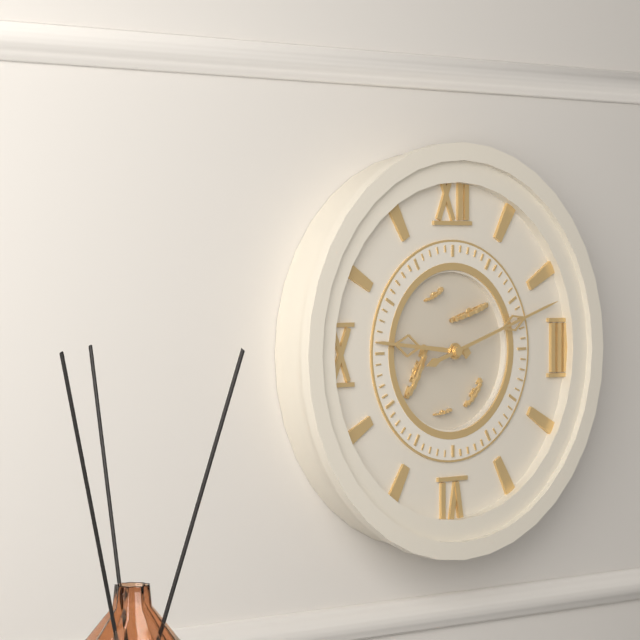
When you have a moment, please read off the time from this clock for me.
9:12
